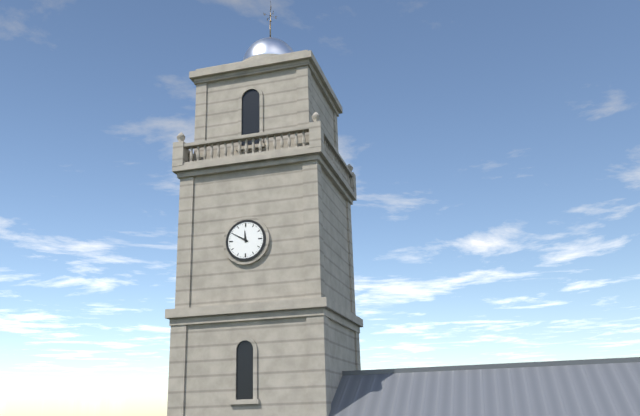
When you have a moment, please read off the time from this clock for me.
11:50
